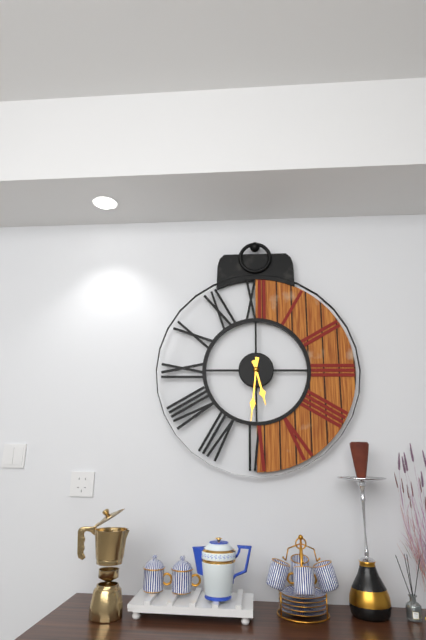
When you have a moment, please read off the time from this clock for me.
5:31
